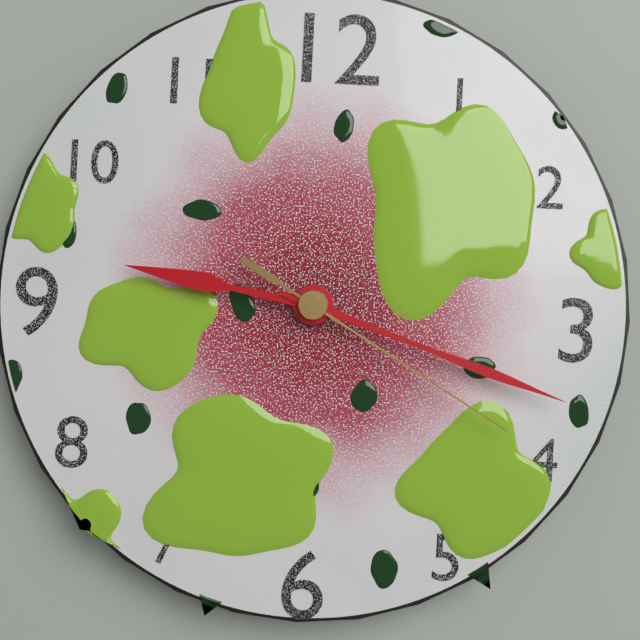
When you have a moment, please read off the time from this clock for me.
9:18:20
